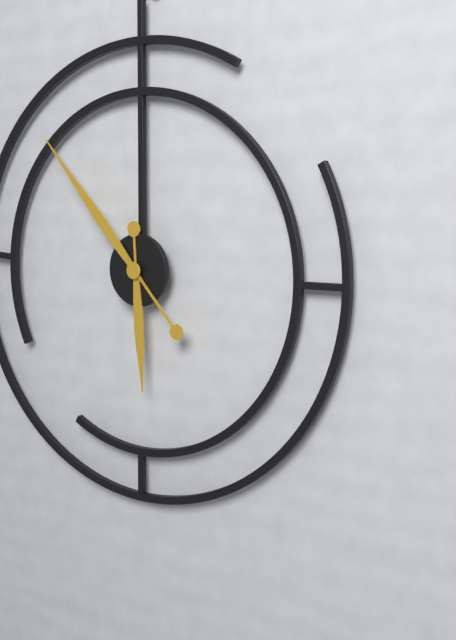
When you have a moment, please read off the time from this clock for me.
5:53
